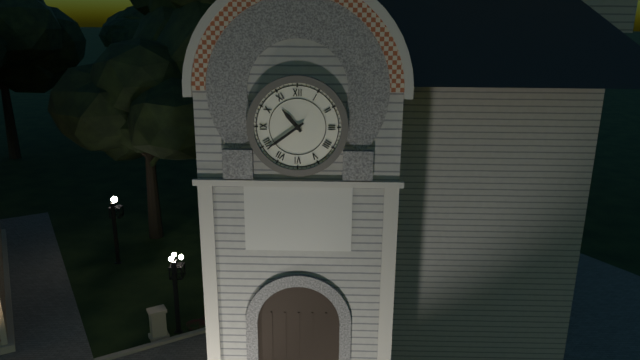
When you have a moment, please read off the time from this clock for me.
10:39
